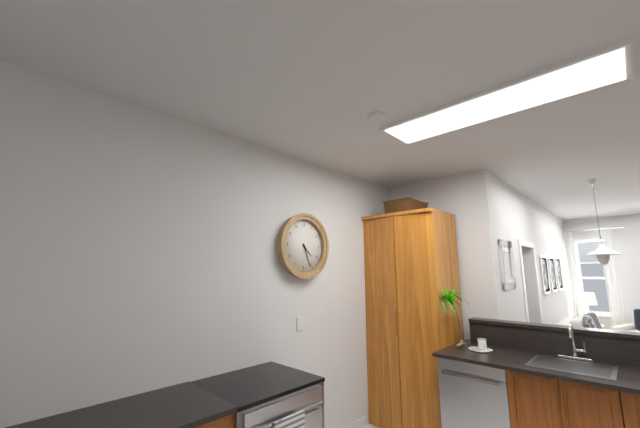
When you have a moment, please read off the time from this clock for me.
4:26
